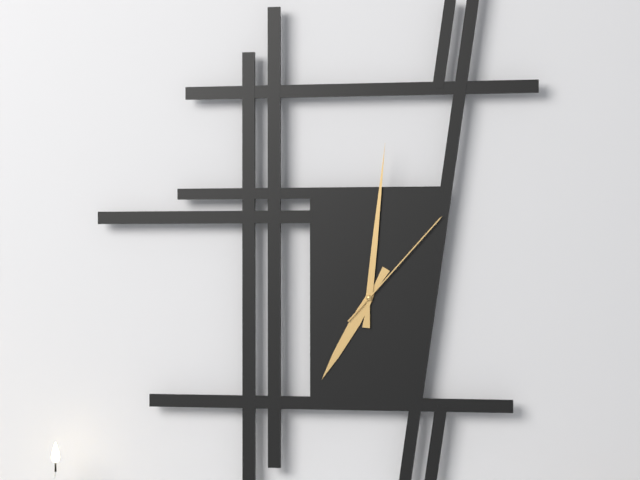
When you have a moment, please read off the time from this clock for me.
7:01:07
